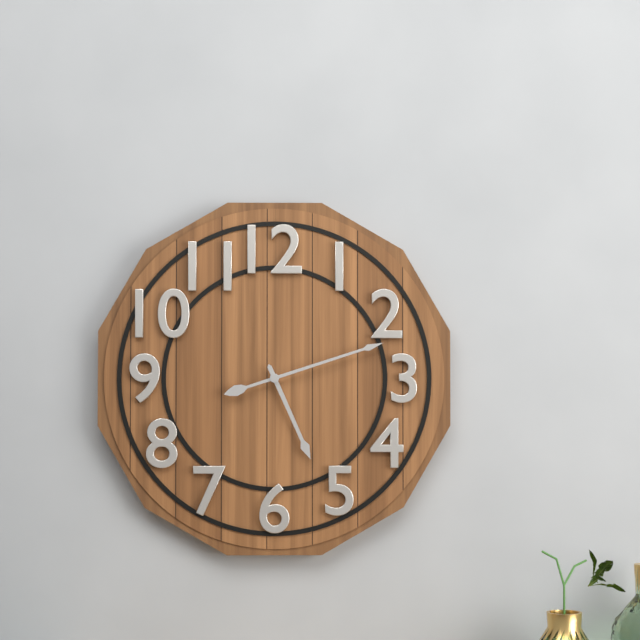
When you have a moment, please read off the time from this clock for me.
5:12
